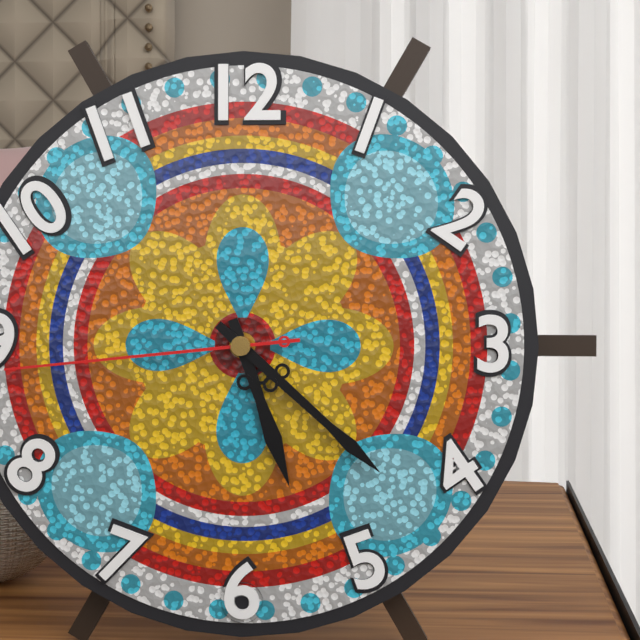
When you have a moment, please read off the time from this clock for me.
5:22:44
